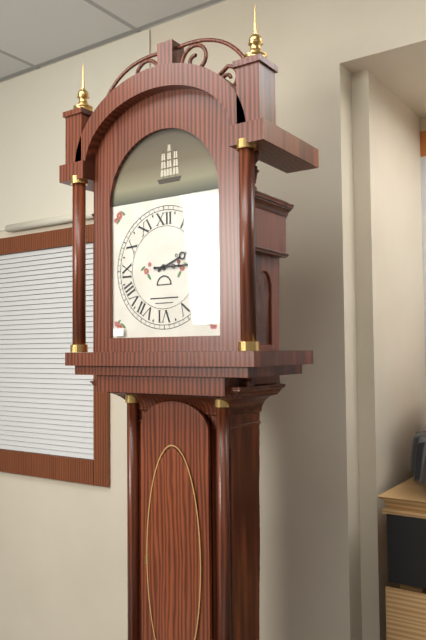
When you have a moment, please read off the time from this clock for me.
2:15
